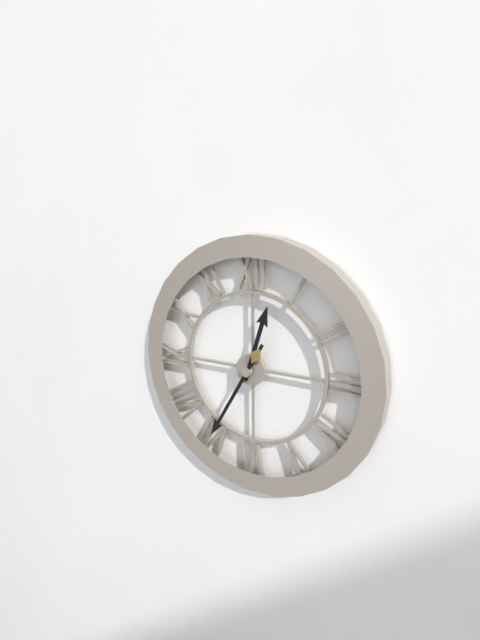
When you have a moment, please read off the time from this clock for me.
12:35
